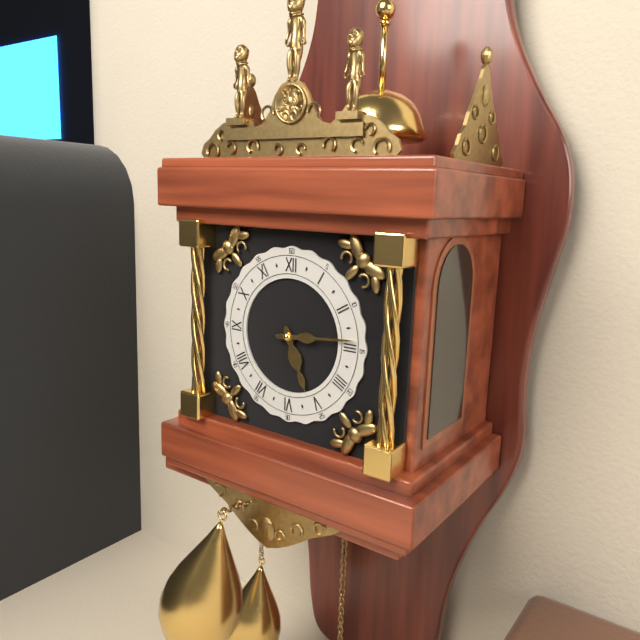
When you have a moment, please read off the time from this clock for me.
5:14
